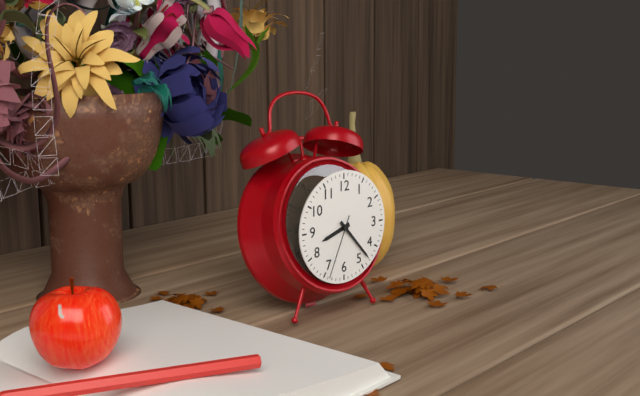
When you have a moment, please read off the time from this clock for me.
8:23:34
